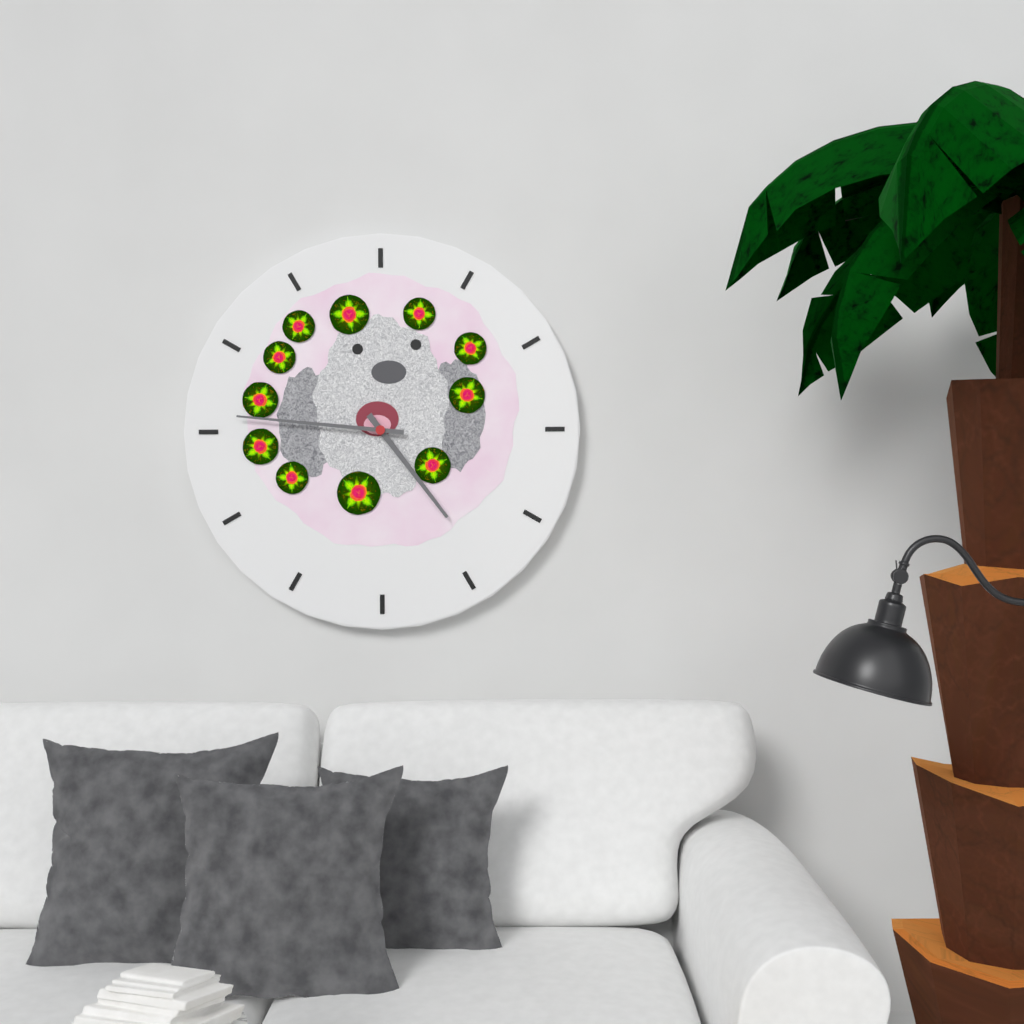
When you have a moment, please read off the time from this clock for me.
4:46
